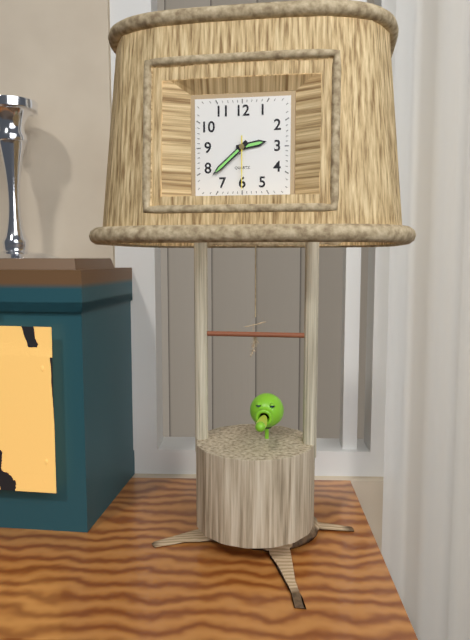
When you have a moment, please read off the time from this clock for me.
2:38:30
